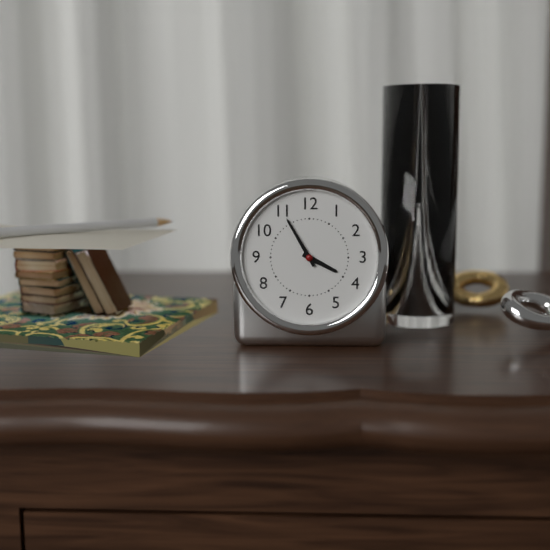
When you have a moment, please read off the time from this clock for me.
3:55
